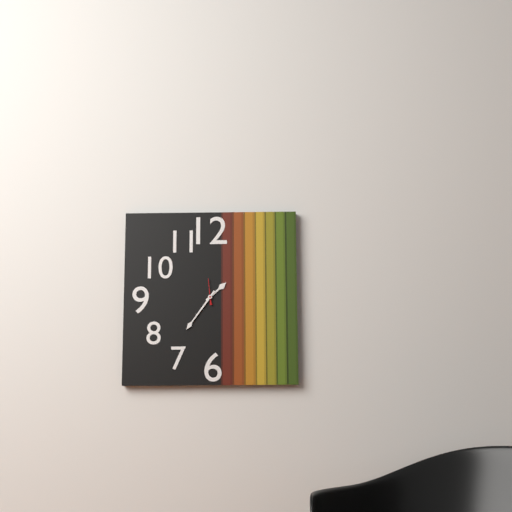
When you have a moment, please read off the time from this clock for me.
1:36
